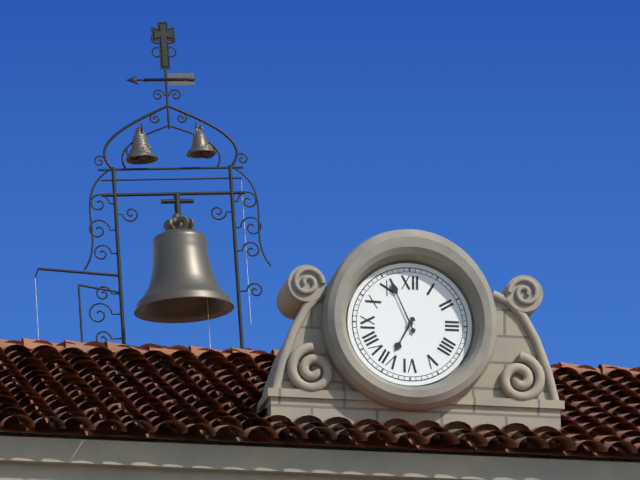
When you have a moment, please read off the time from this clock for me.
6:56
